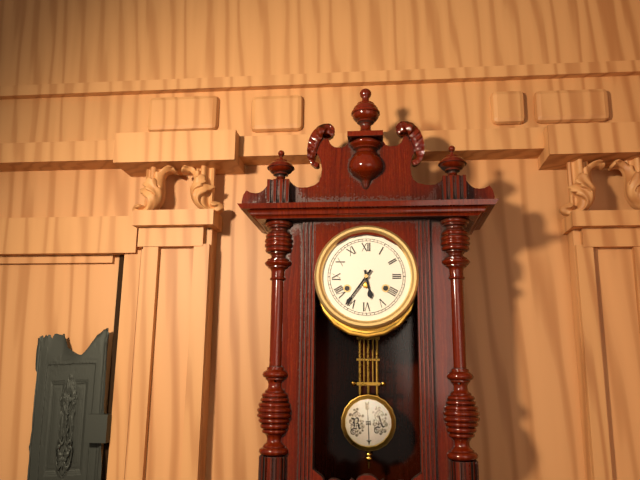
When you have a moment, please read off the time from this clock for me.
5:36
